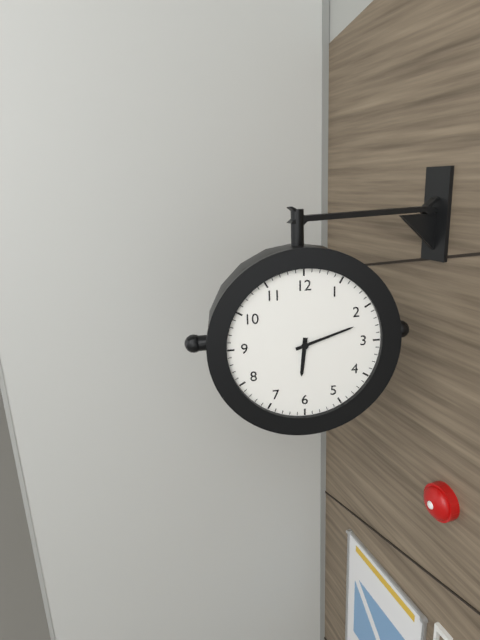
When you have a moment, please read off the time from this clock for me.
6:12
